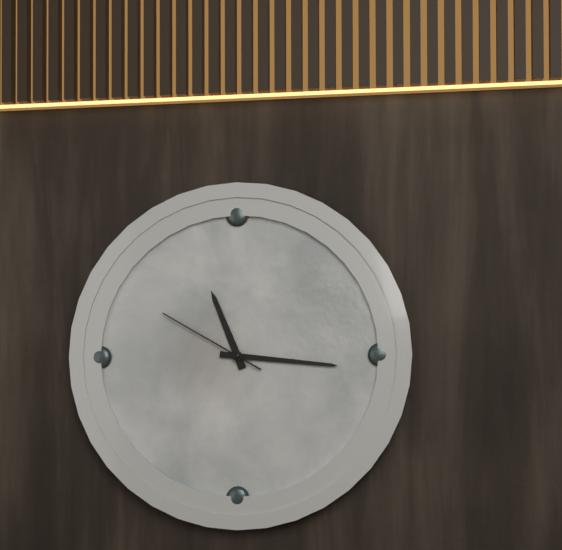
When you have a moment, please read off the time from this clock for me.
11:16:50
